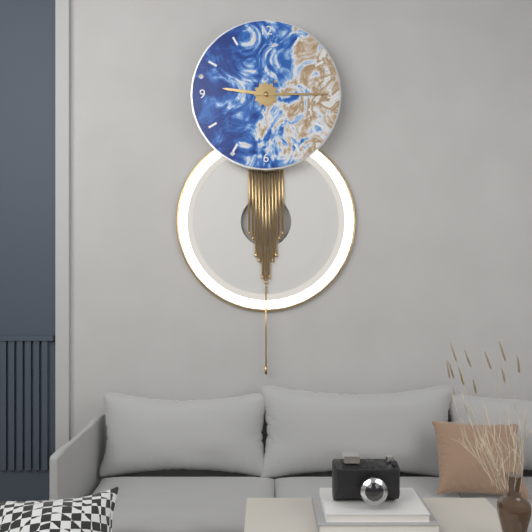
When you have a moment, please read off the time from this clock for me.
9:15
